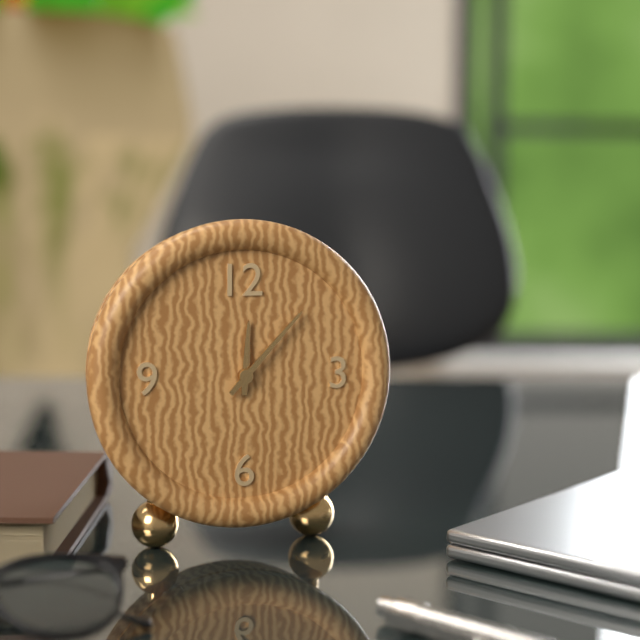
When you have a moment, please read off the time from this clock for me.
12:07
